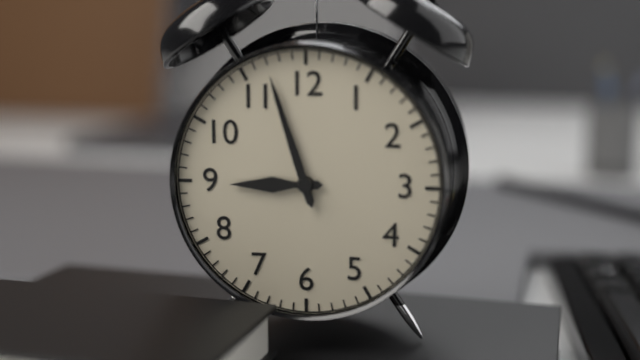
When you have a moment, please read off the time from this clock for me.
8:57
